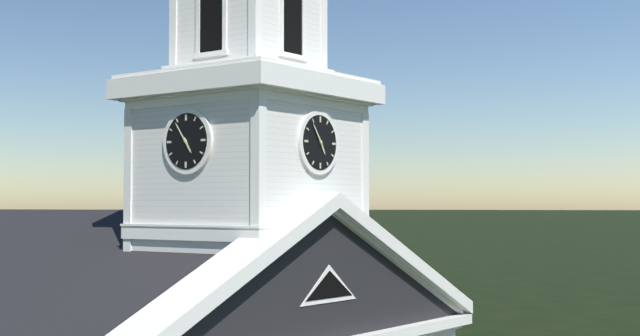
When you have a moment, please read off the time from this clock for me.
4:54
